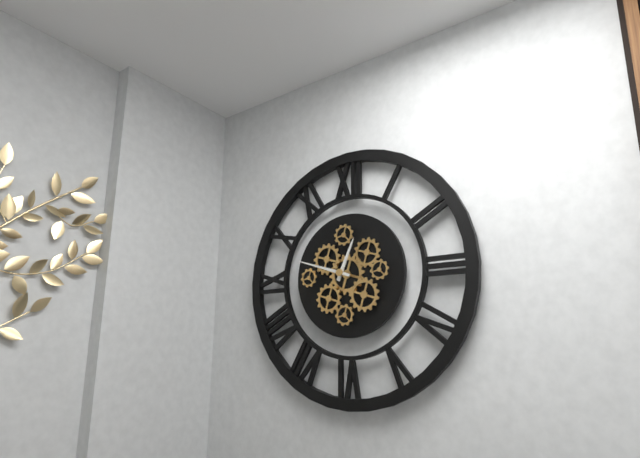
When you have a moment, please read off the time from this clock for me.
12:48
